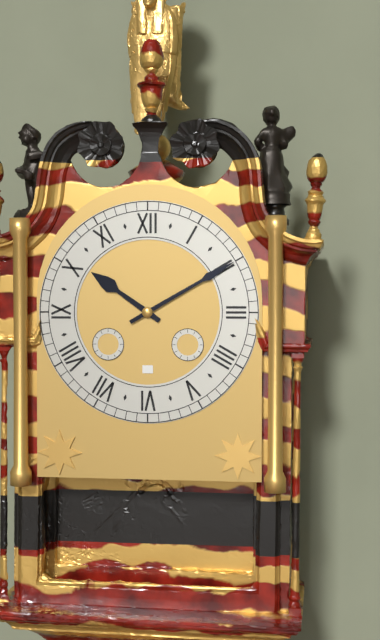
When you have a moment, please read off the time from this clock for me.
10:10
